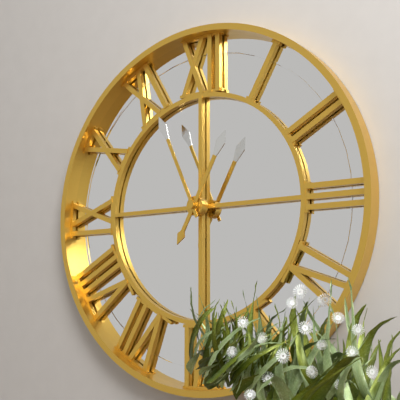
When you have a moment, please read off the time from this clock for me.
12:56
